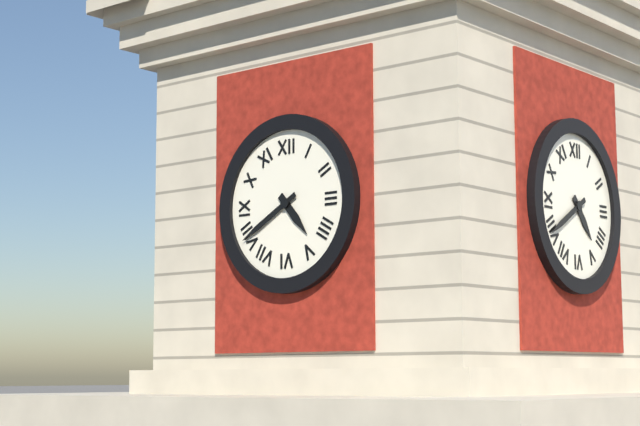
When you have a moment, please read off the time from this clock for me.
4:40
